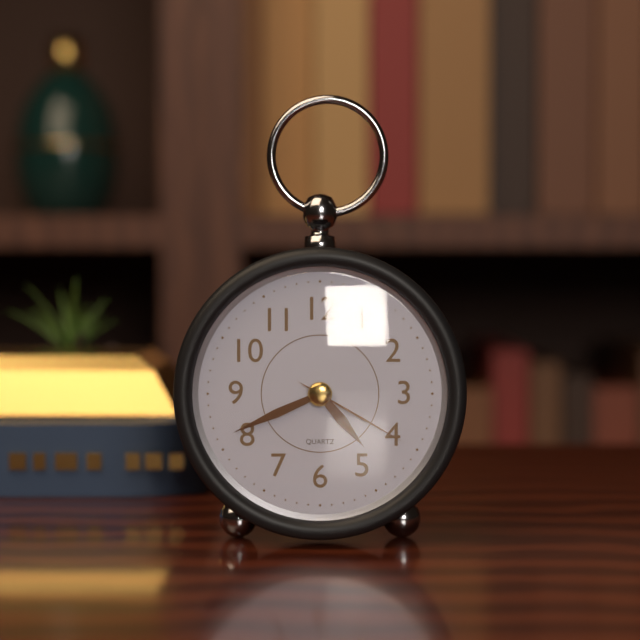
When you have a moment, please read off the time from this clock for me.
4:41:20
